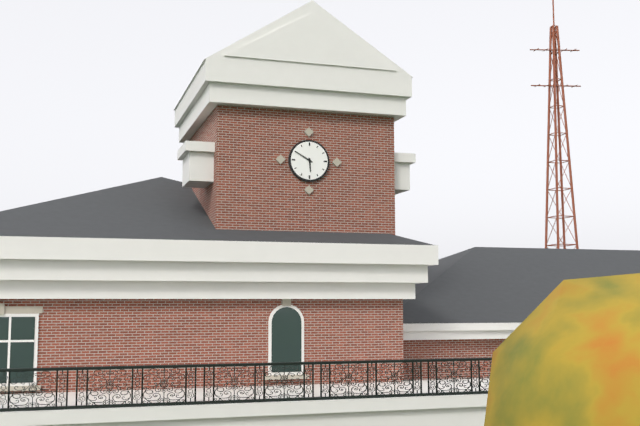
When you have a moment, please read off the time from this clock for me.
5:50
